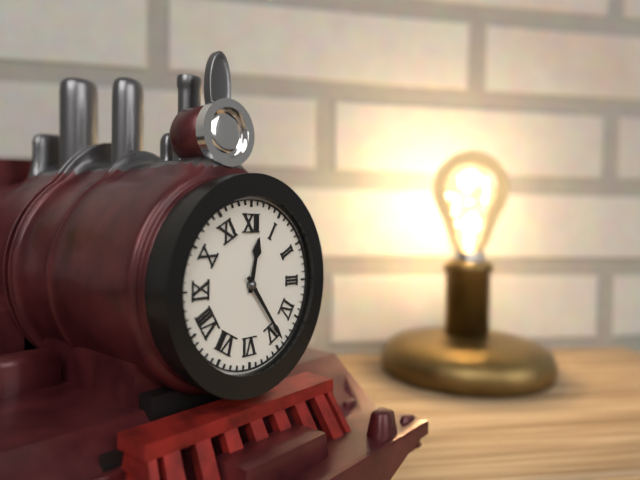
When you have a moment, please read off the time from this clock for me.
12:24
